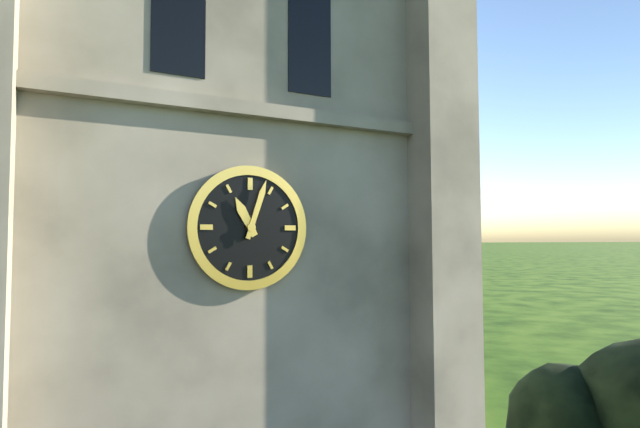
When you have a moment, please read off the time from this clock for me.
11:03
